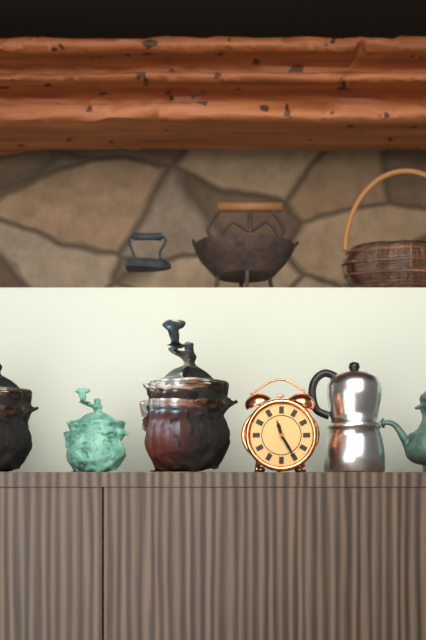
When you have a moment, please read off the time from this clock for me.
11:25
